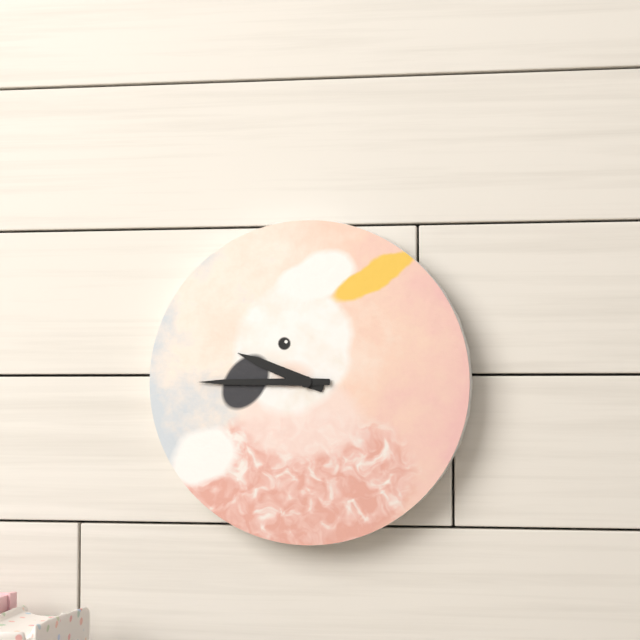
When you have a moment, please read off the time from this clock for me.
9:45
